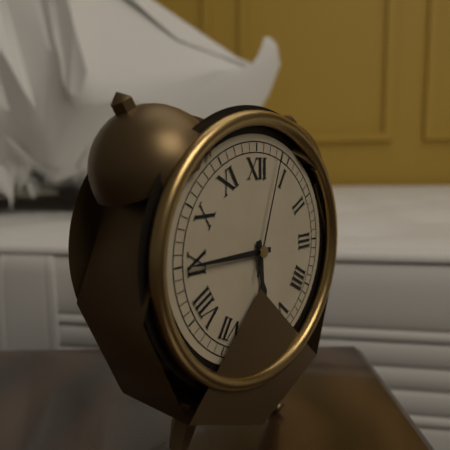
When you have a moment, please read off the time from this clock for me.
5:45:03
